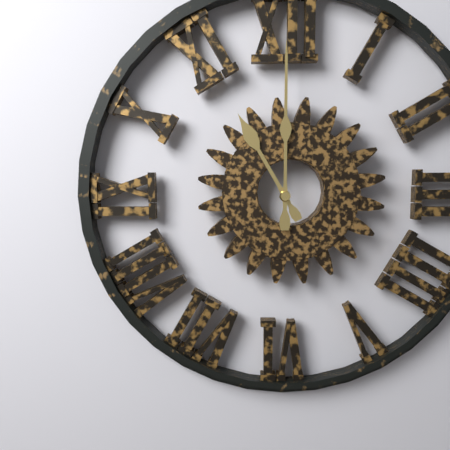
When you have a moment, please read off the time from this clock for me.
11:00
